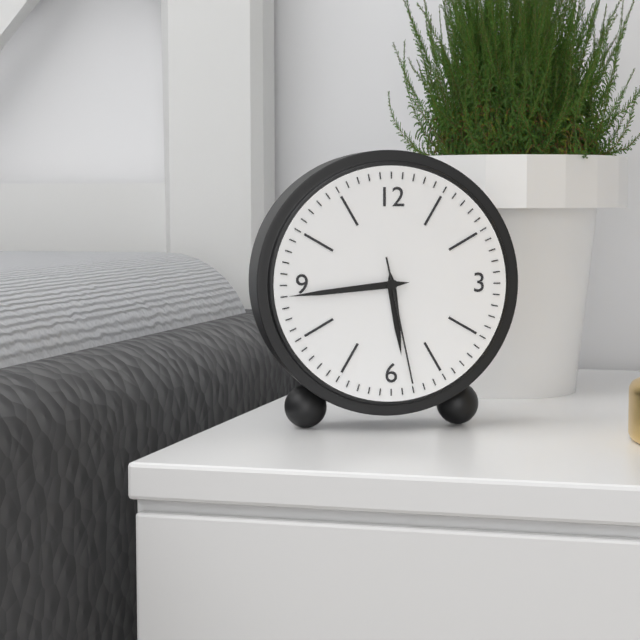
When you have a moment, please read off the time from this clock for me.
5:44:28
